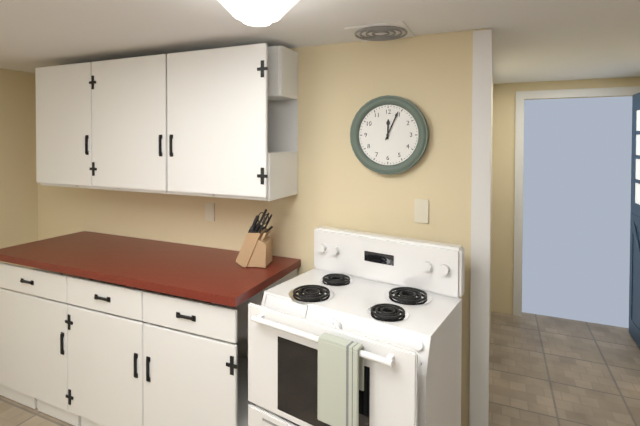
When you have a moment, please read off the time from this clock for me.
12:04
